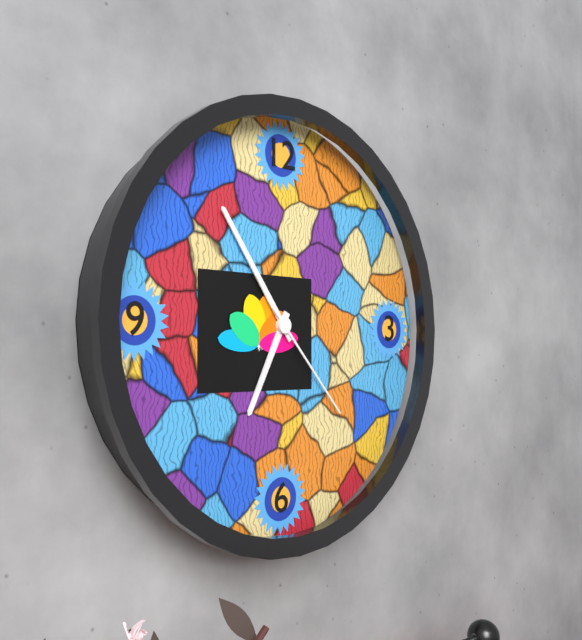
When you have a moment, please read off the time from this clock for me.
6:54:23
